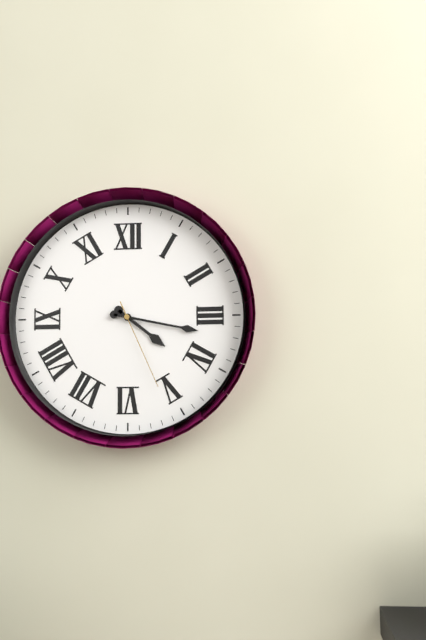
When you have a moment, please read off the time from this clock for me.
4:17:26
